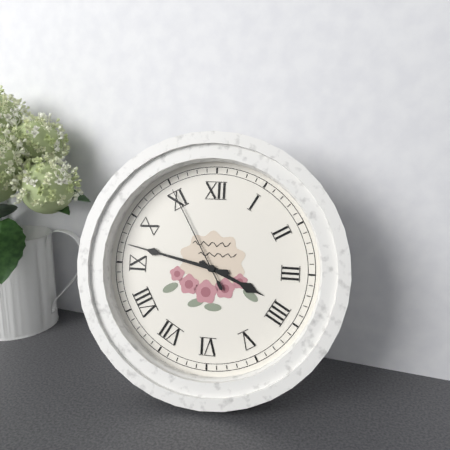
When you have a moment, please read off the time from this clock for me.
3:47:55
